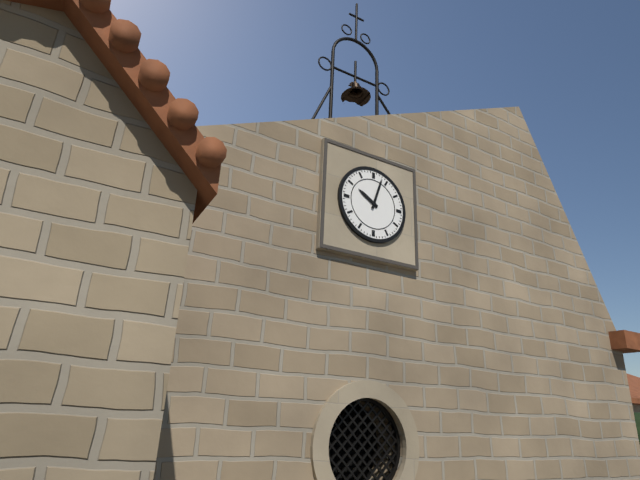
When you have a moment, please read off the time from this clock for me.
10:03
